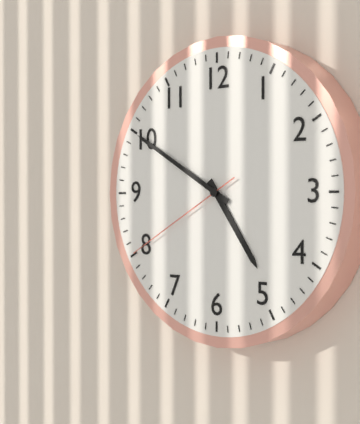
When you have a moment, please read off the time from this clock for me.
4:50:40
